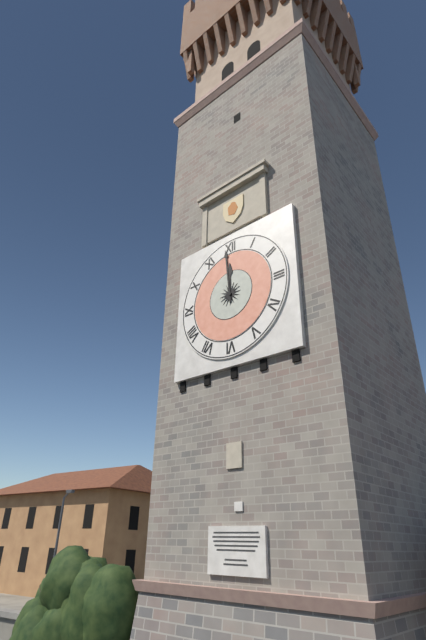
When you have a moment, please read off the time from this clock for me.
11:59
